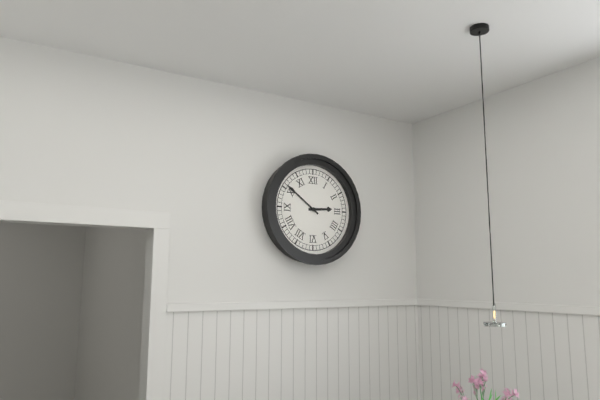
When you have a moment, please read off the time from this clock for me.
2:51
